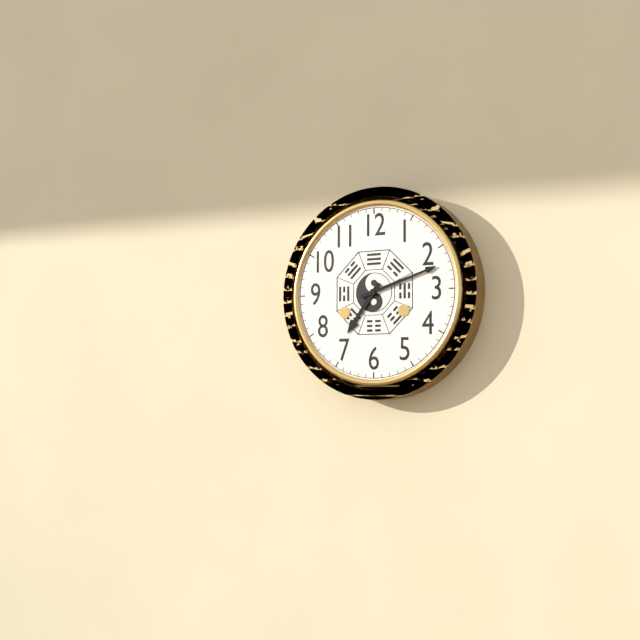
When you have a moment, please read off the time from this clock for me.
7:12
